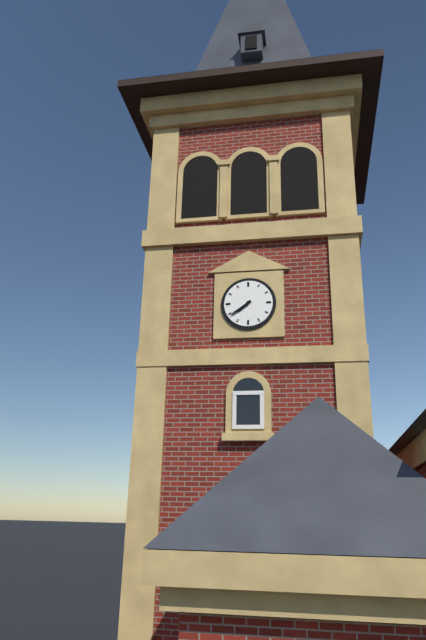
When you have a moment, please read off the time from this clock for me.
7:39
